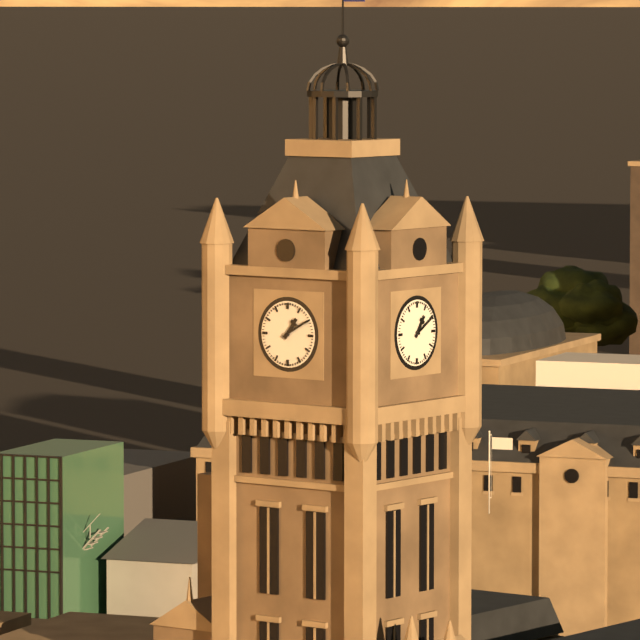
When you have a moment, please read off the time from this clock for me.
1:10
